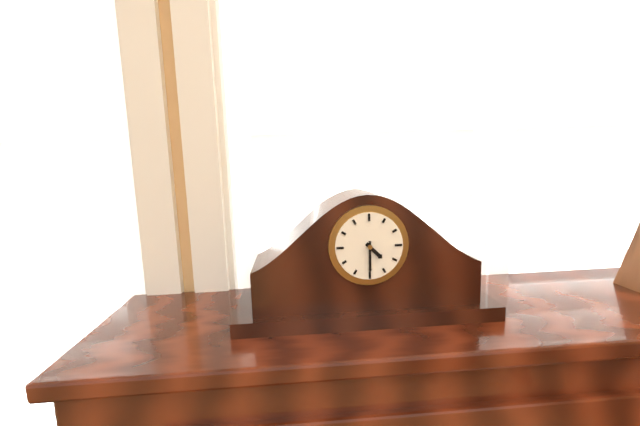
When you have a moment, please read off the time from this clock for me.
4:30
